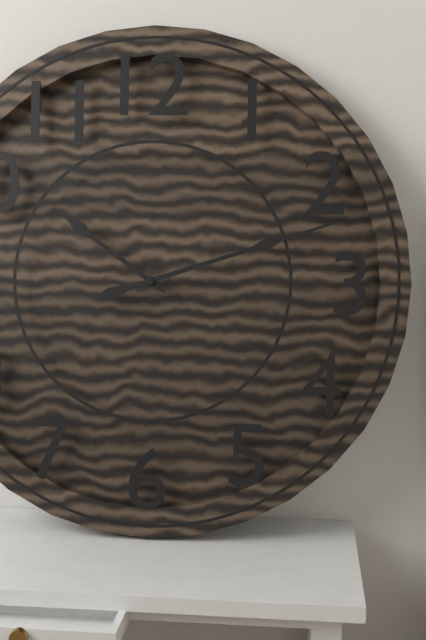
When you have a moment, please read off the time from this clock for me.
10:12
